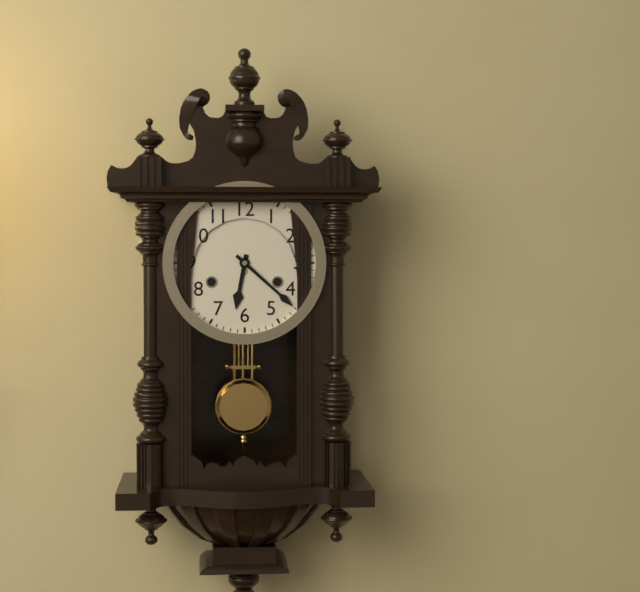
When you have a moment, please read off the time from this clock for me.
6:22
